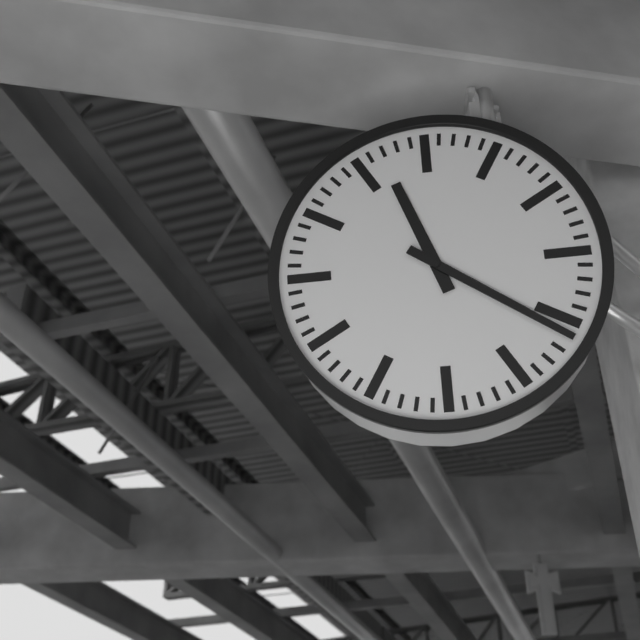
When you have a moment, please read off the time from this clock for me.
11:21
